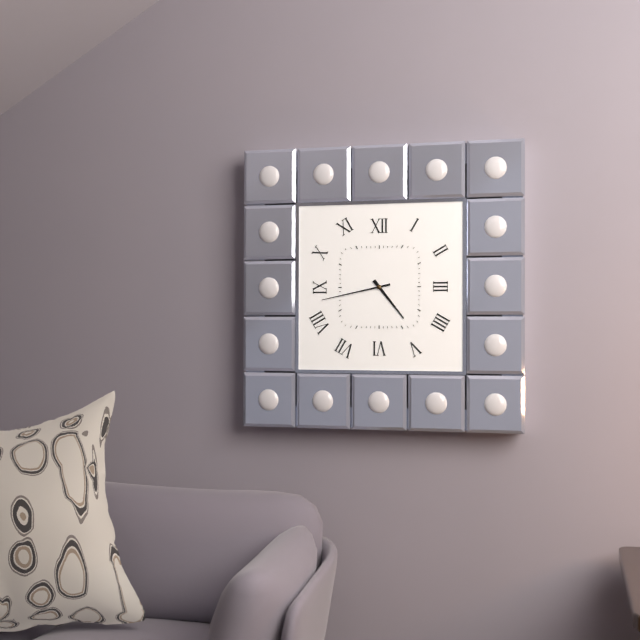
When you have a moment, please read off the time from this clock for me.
4:43
